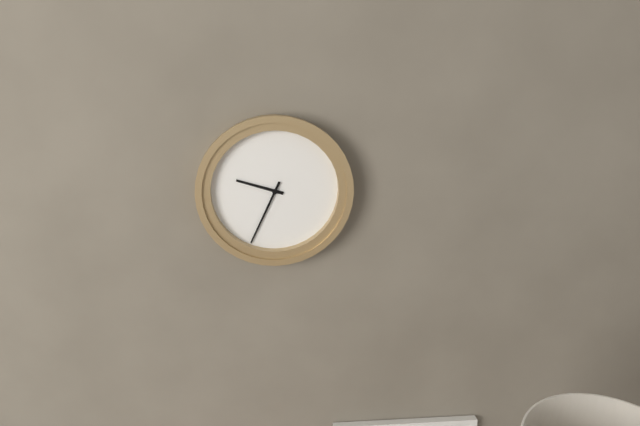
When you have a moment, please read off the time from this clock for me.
9:34
